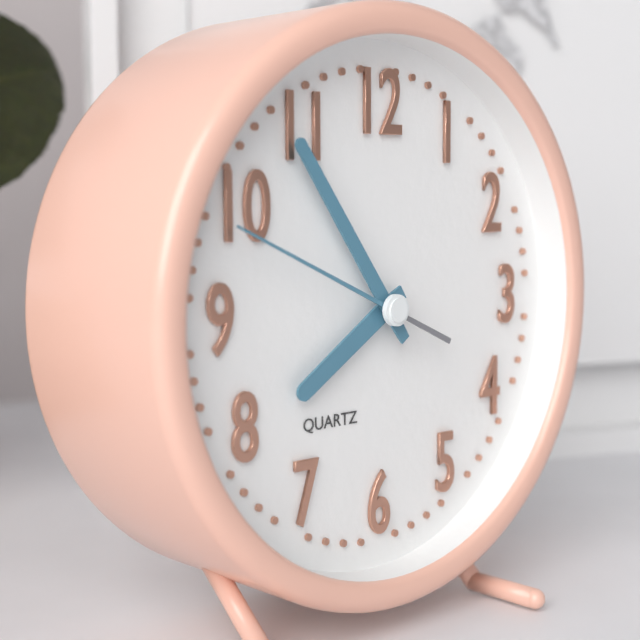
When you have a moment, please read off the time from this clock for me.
7:54:49
